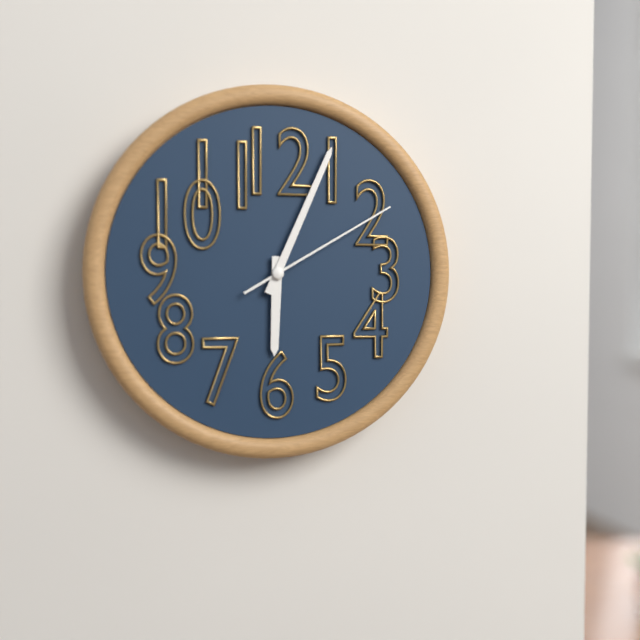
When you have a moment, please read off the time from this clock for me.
6:04:10
